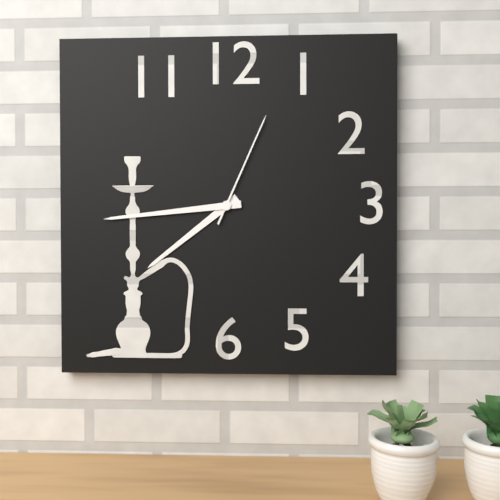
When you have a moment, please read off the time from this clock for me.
7:44:04
